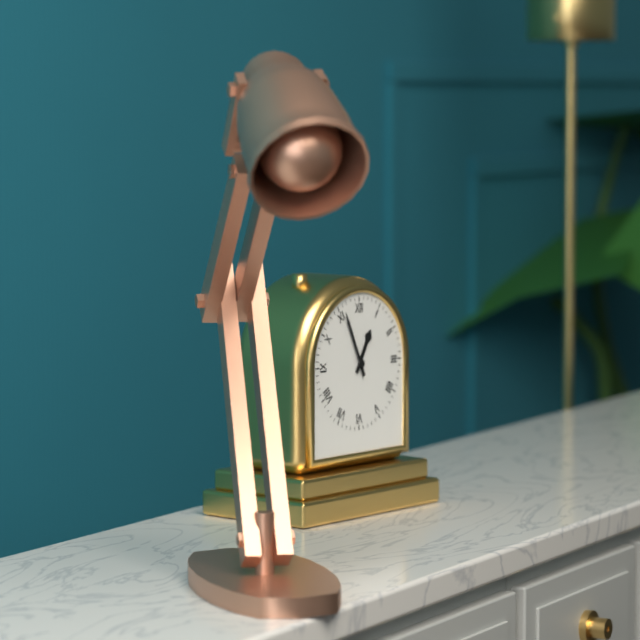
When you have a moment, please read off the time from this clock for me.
12:56
